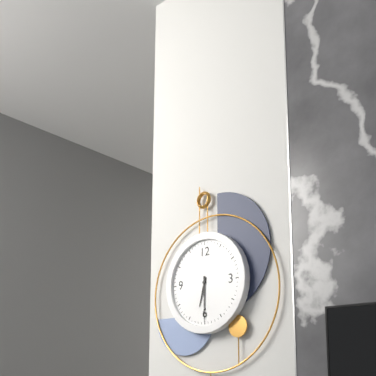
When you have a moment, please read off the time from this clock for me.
6:30
